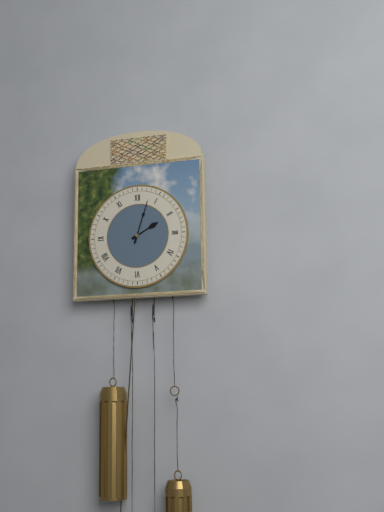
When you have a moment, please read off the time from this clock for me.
2:03
